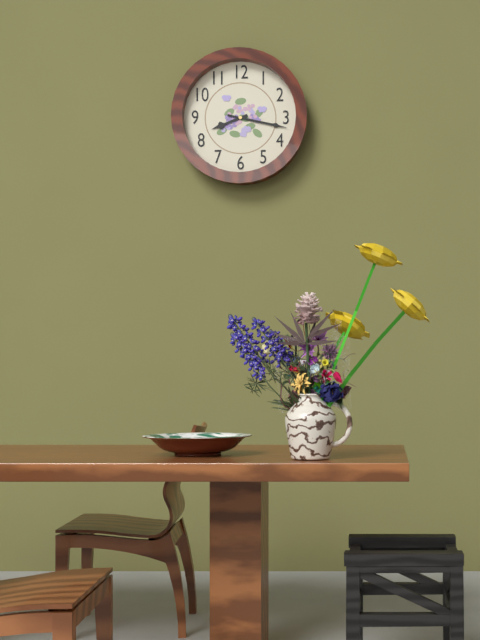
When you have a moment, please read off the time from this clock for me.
8:17
